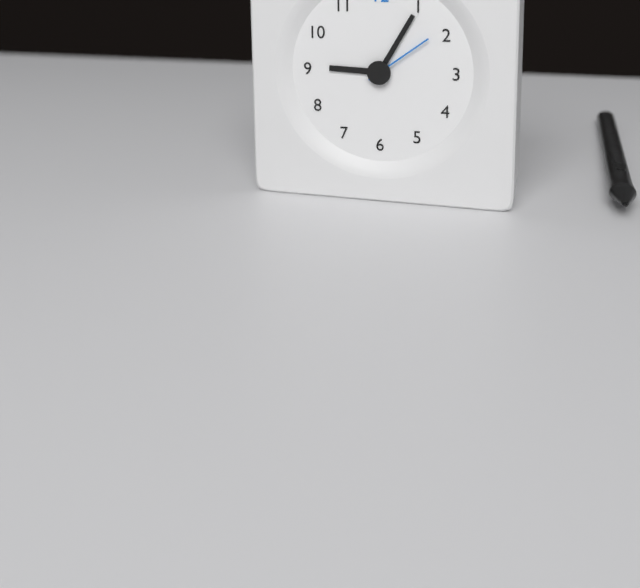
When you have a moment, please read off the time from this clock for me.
9:05:09
